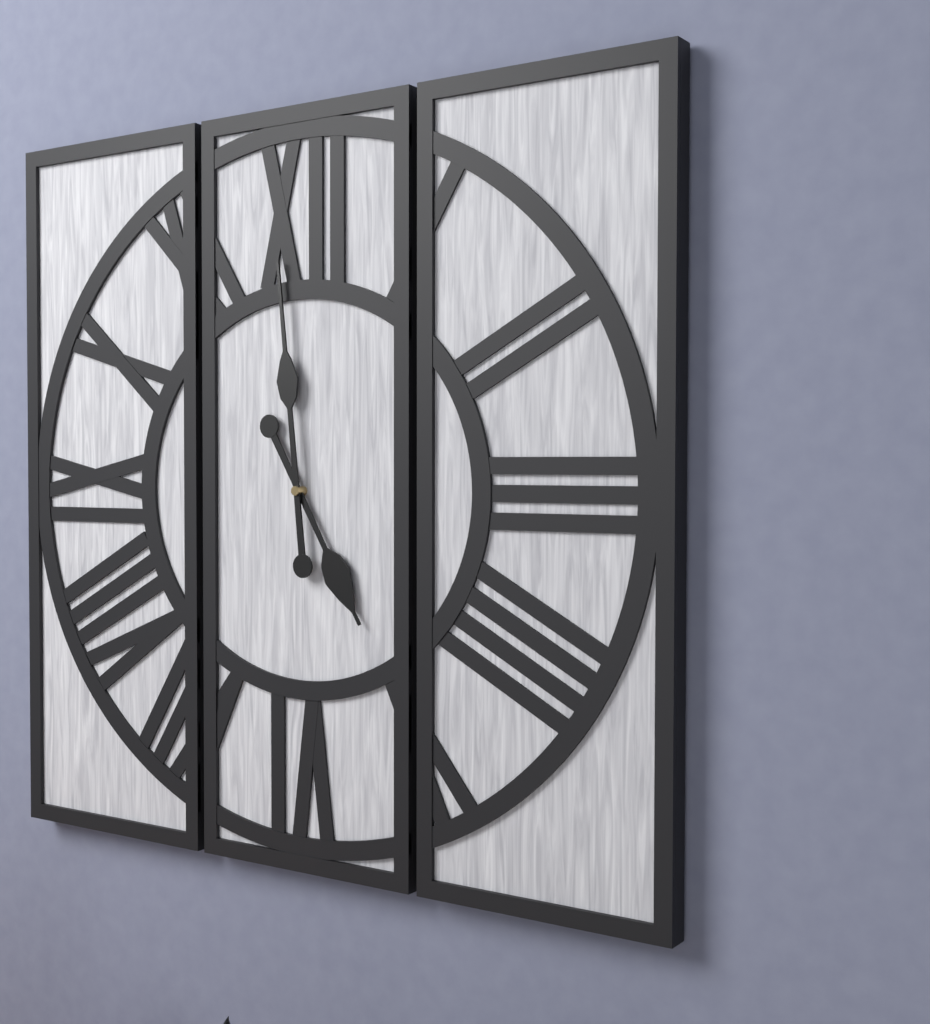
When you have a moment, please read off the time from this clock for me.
4:59
